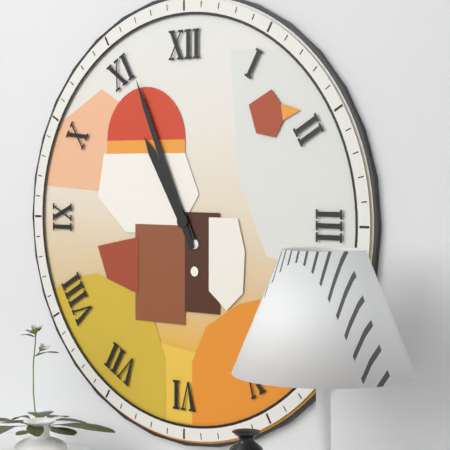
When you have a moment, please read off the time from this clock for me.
10:56
